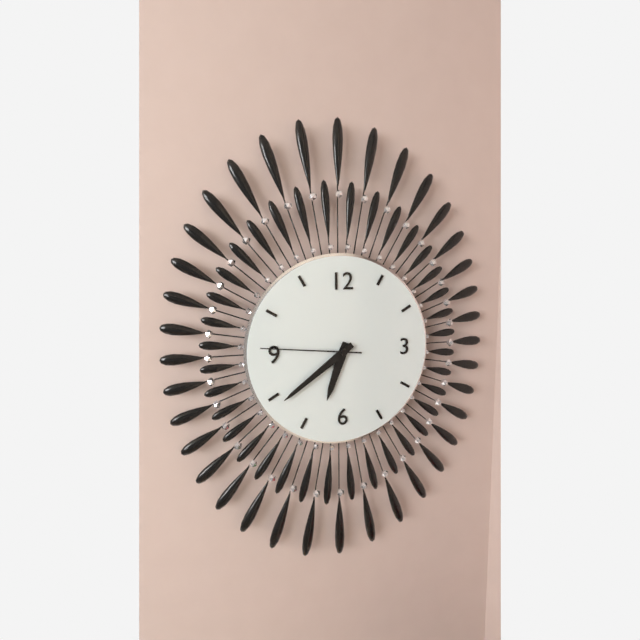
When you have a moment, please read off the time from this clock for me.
6:39:46
